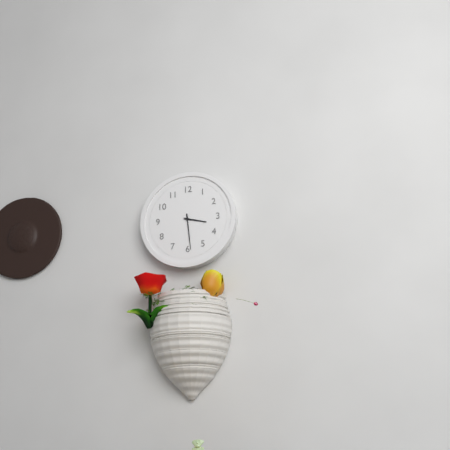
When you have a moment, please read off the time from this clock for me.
3:29
